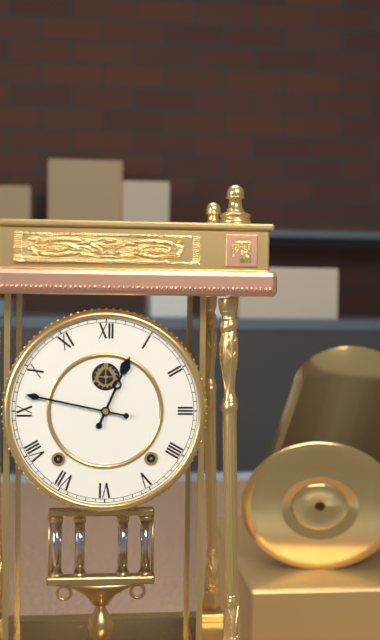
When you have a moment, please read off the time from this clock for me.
12:47
